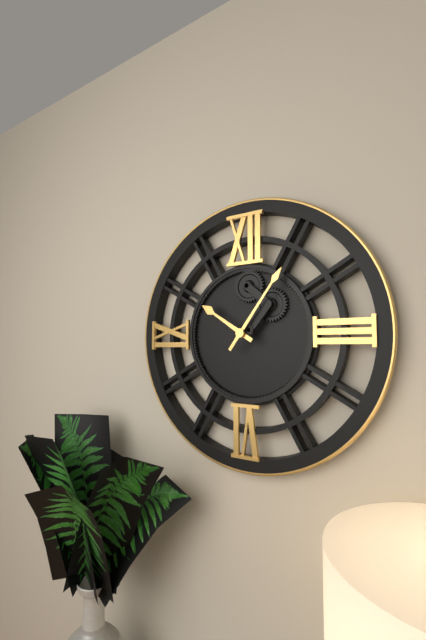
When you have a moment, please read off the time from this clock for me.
10:06
